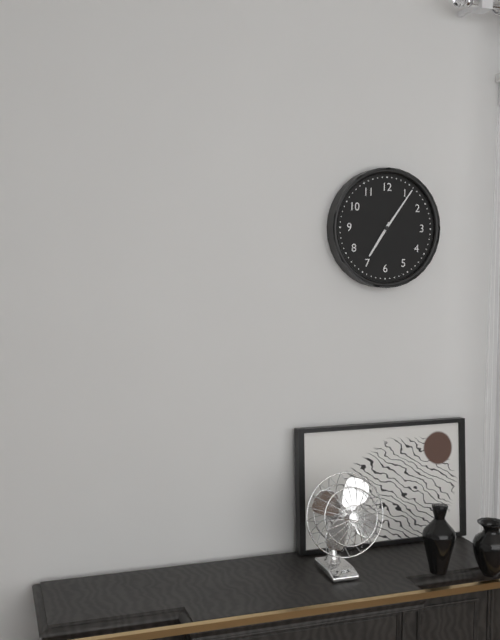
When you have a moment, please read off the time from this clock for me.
7:06
